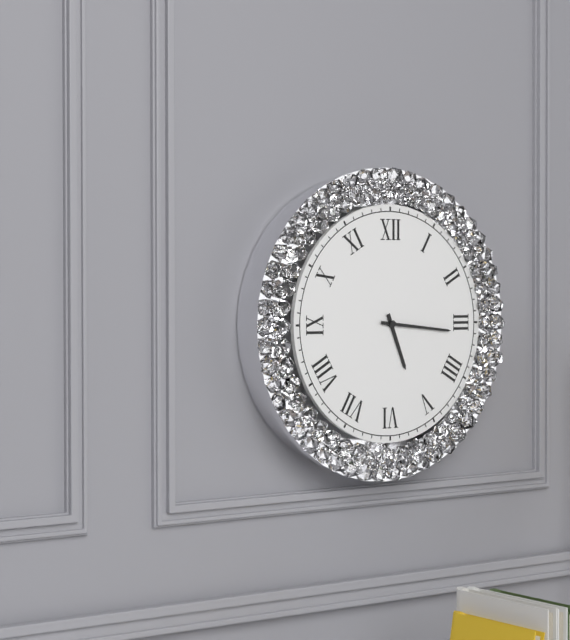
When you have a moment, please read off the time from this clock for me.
5:16
